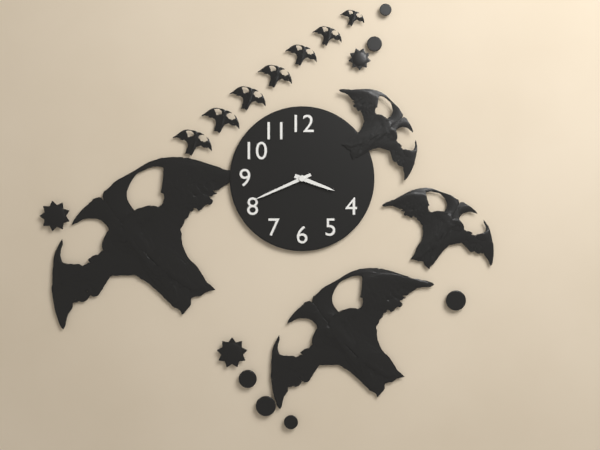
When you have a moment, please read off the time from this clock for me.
3:41
